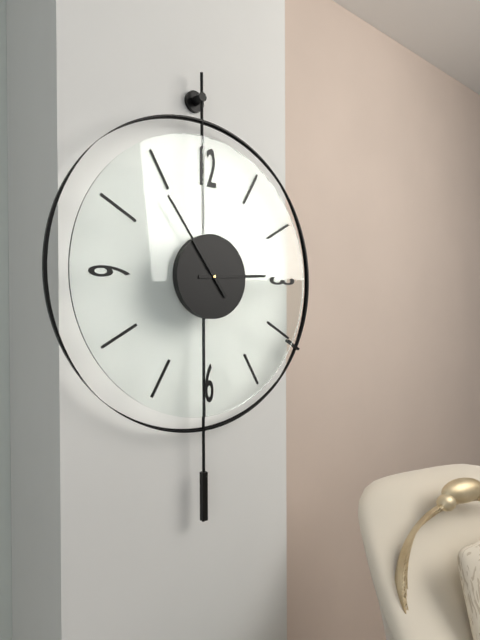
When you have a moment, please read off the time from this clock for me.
2:54
